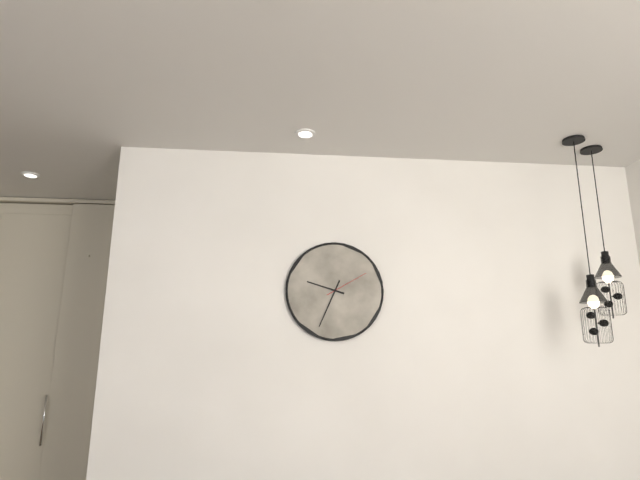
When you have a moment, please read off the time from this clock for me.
9:34
